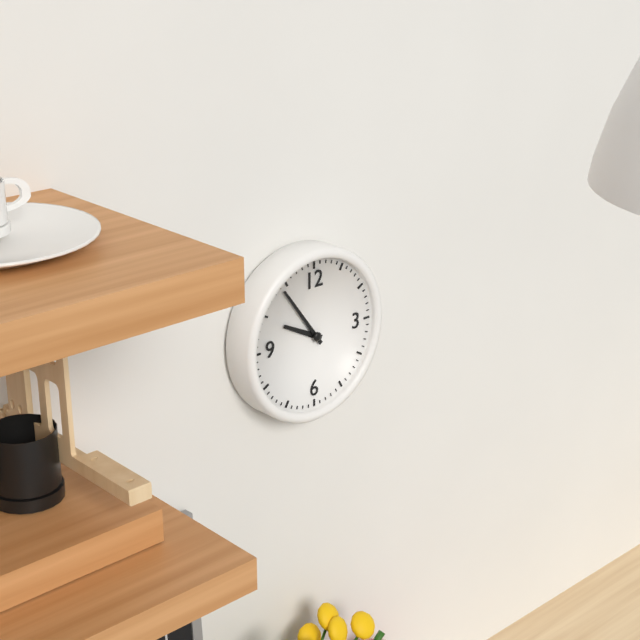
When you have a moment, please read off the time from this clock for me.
9:54
